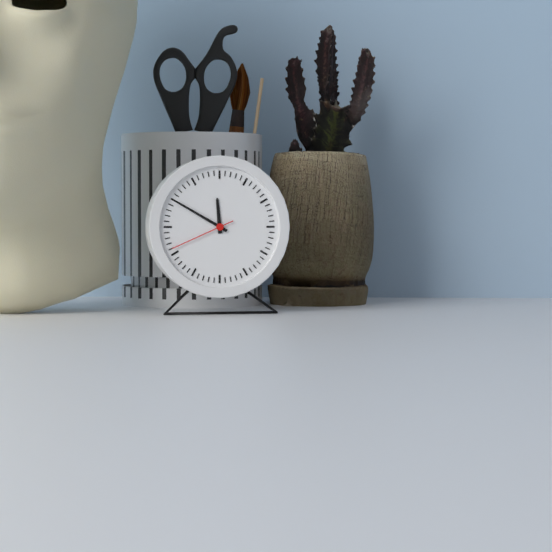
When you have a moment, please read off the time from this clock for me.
11:50:41
